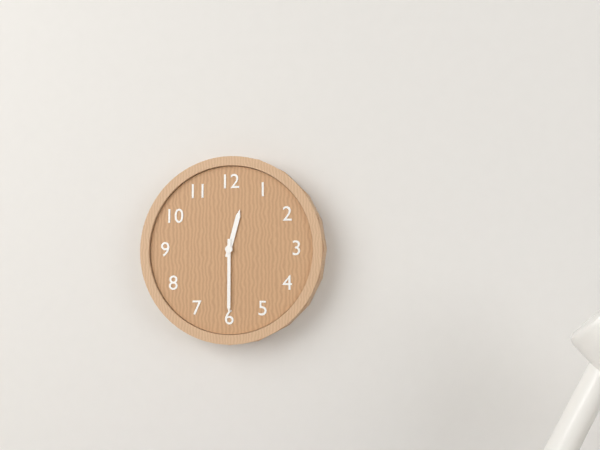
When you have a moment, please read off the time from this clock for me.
12:30
